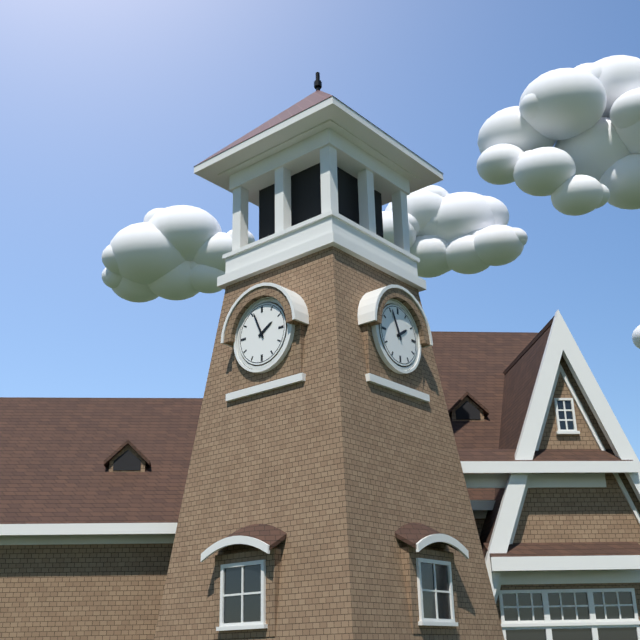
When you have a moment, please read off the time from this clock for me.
1:56
